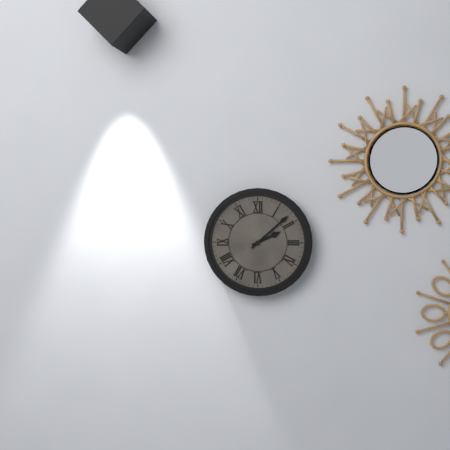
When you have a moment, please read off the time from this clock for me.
2:08
